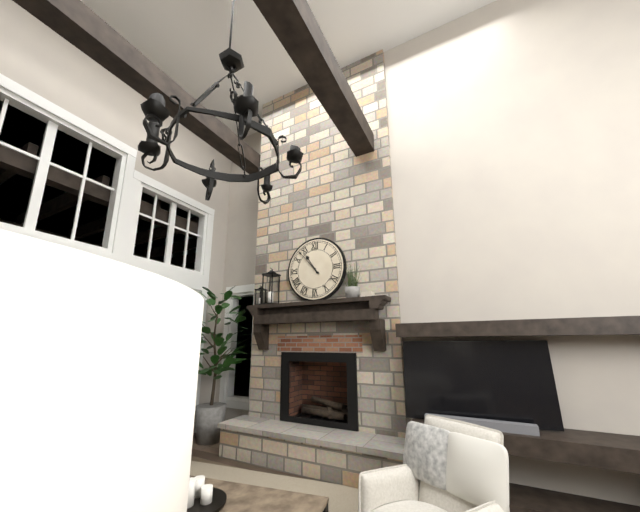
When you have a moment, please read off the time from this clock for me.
10:53
